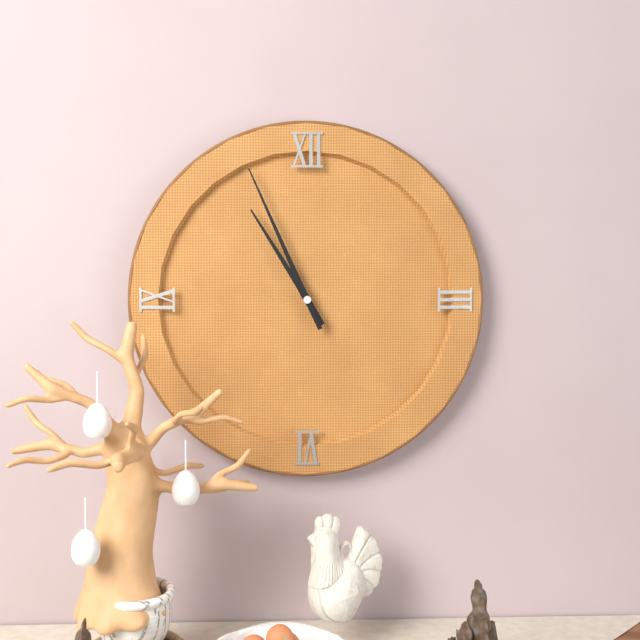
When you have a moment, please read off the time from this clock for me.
10:56
